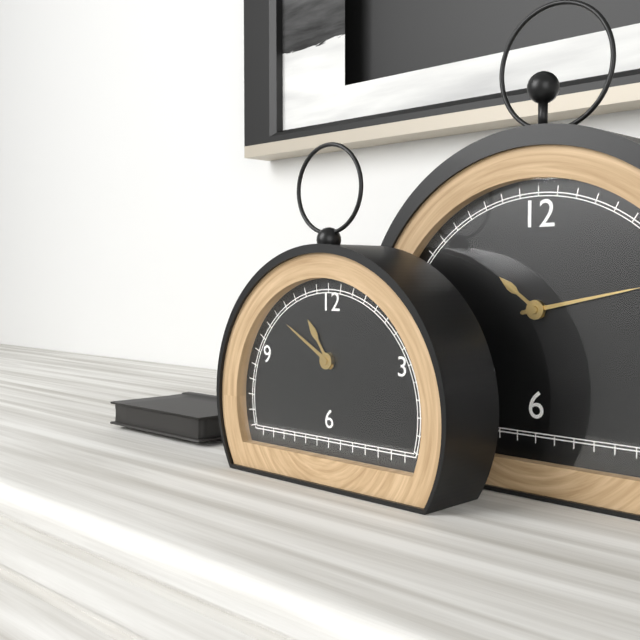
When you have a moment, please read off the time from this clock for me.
10:50
